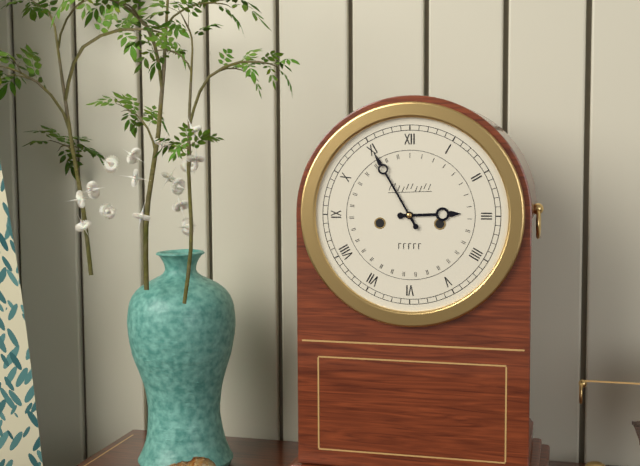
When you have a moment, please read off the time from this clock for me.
2:55
